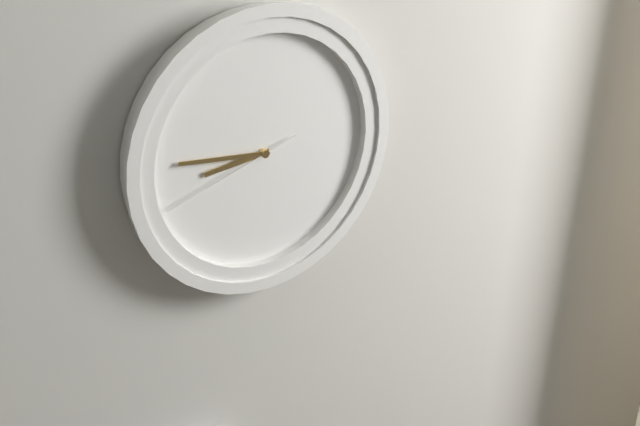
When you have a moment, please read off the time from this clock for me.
8:46:42
